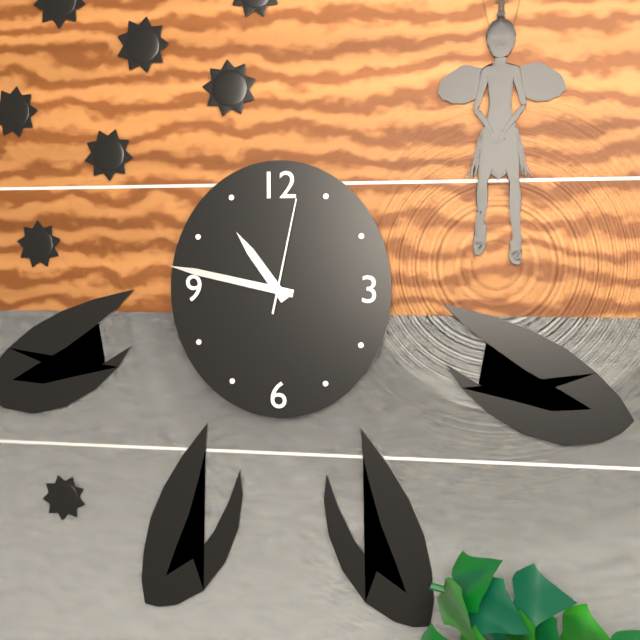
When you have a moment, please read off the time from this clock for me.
10:47:02
